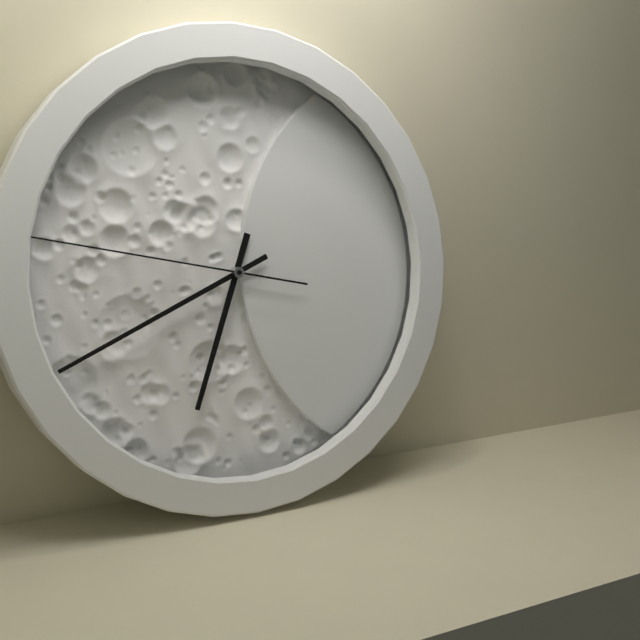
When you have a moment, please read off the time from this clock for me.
6:41:47
